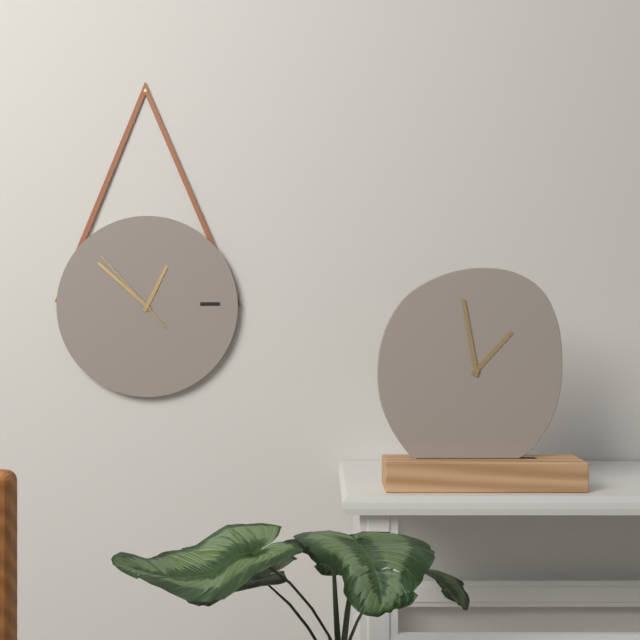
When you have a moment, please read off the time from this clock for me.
12:52:53
